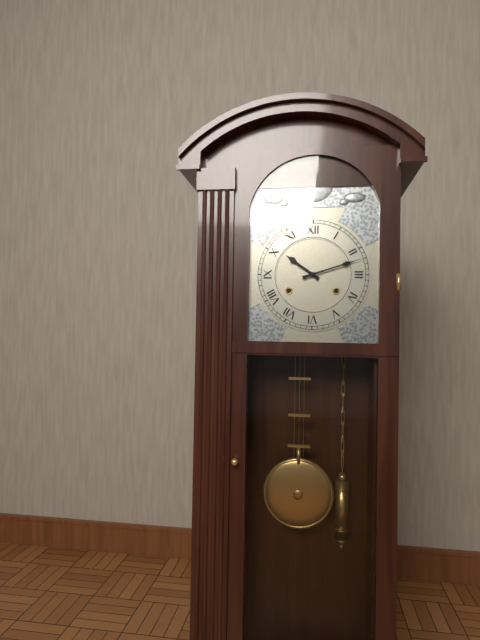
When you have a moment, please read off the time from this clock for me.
10:12
